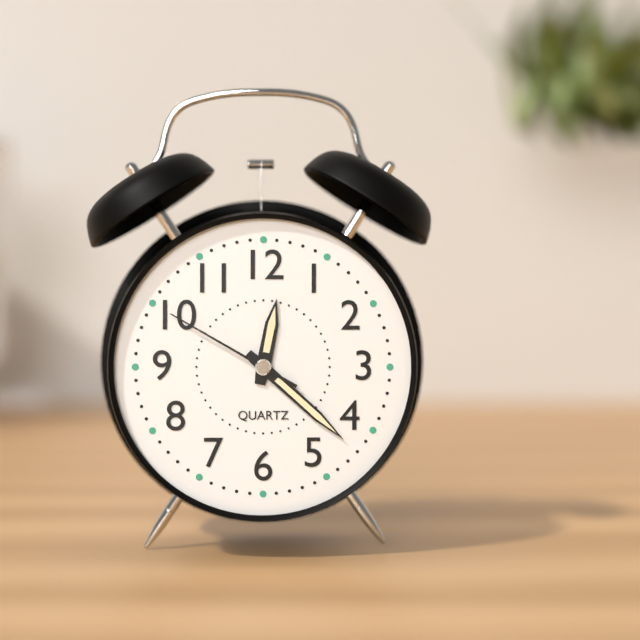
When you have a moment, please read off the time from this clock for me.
12:22:50
